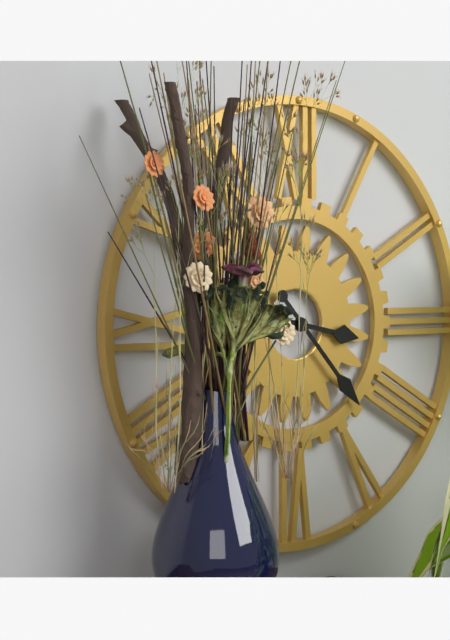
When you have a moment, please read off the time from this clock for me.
3:23
